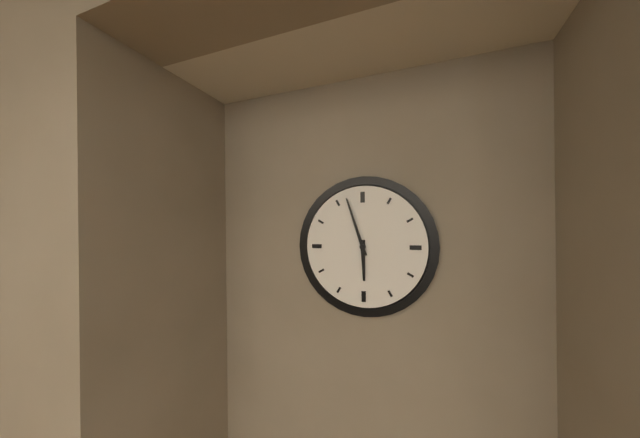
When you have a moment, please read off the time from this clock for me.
5:57
